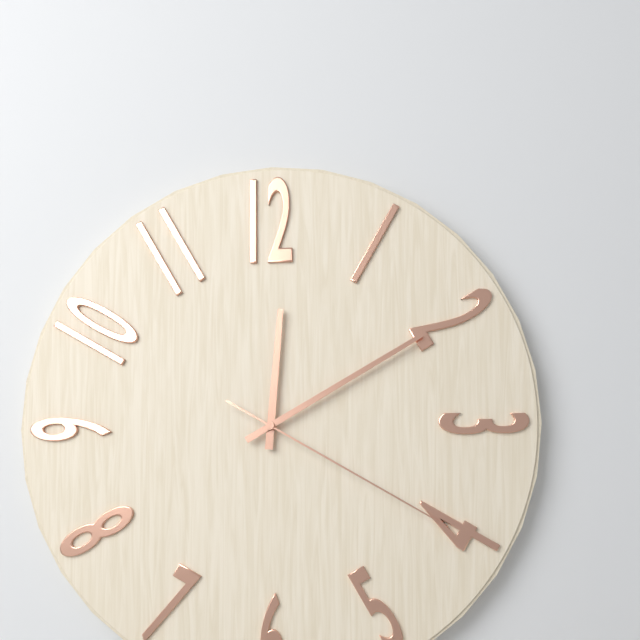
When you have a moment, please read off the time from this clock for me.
12:10:20
